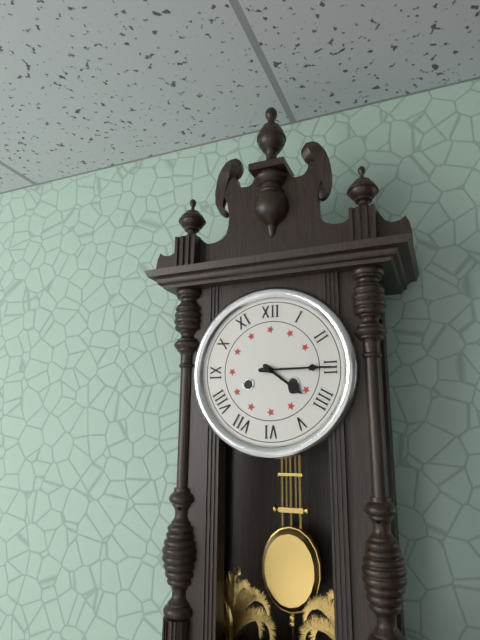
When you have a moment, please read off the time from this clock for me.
4:15
